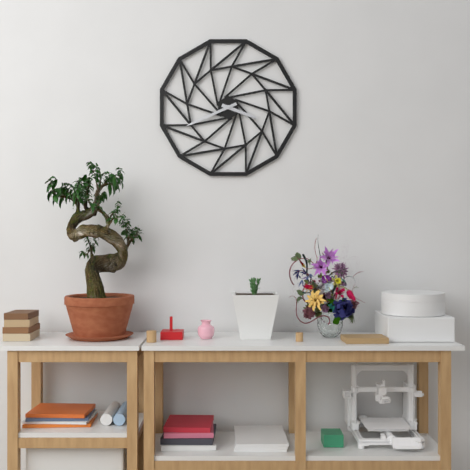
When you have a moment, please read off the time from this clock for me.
3:41
